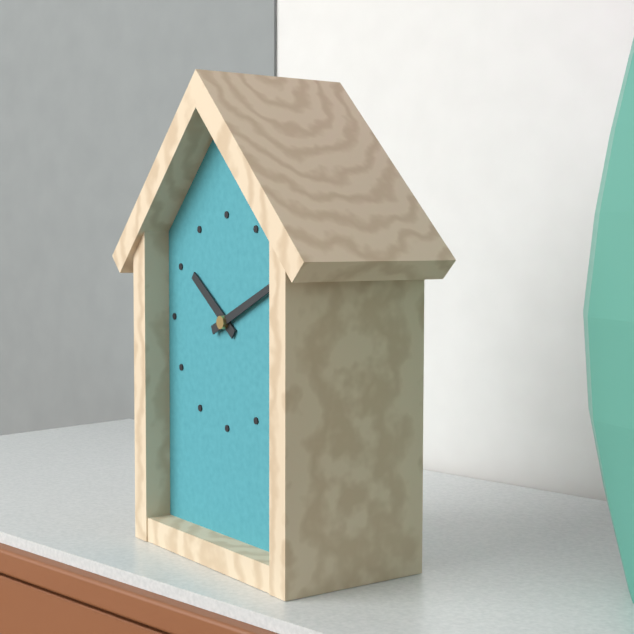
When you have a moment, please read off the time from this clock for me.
10:11
